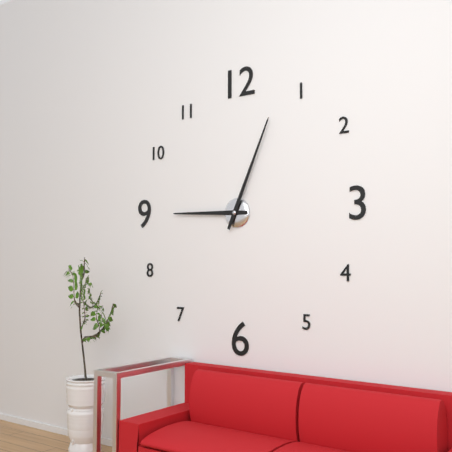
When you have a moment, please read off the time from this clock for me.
9:04
